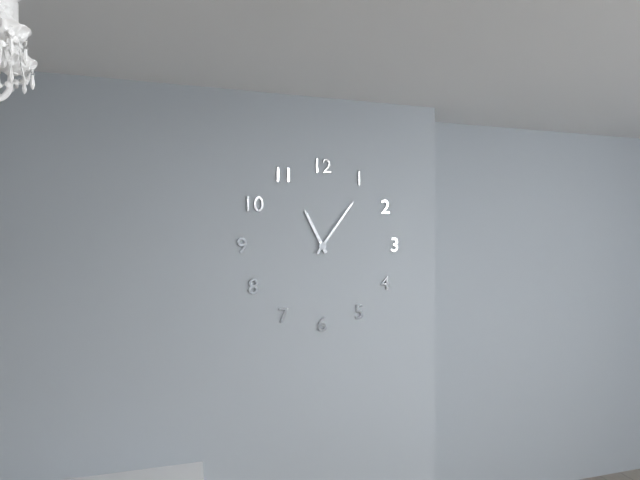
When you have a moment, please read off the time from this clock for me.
11:06
